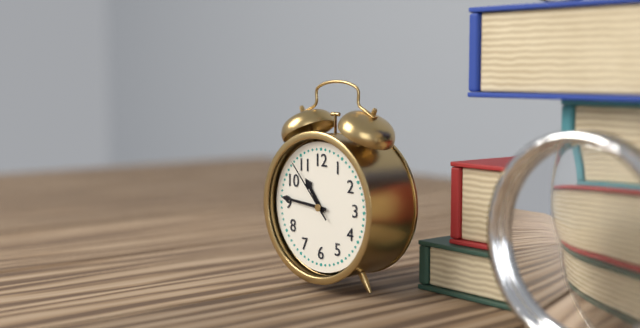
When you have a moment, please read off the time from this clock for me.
10:46:53
